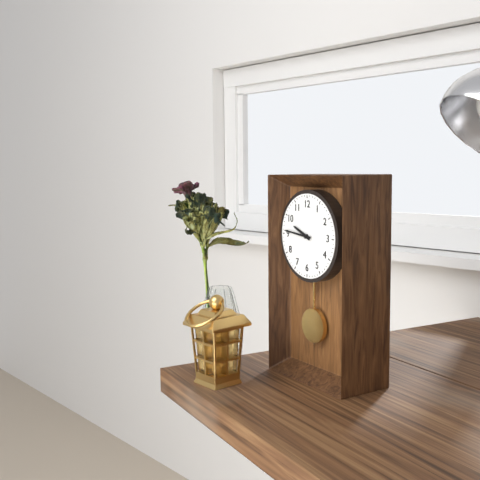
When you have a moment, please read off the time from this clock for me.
9:46
